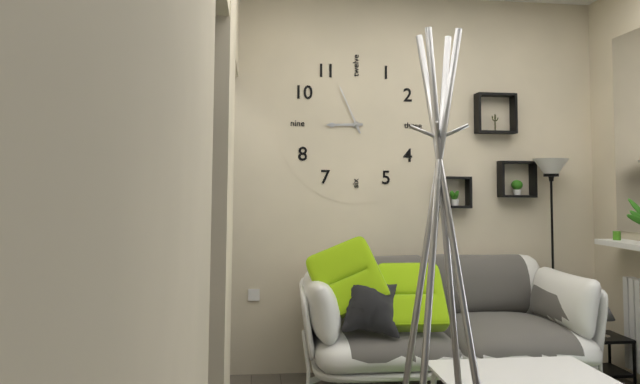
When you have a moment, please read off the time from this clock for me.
8:56
